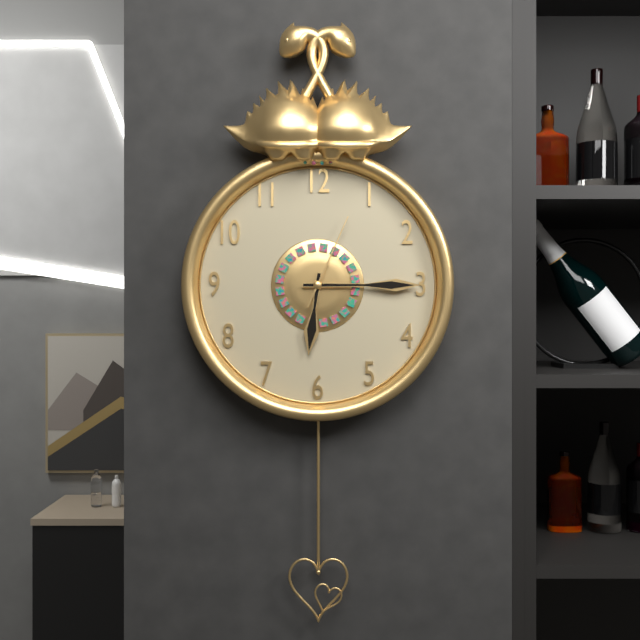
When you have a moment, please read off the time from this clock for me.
6:15:04
